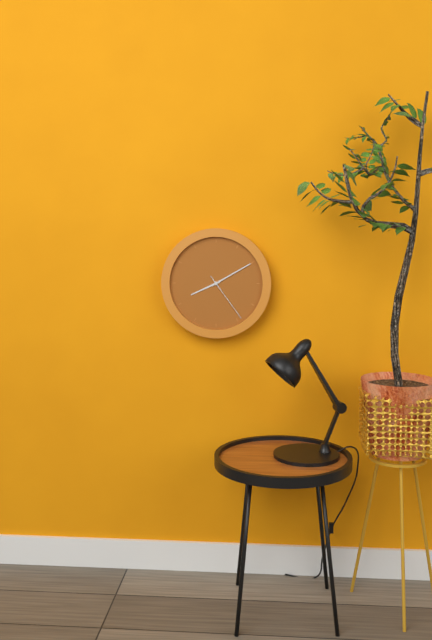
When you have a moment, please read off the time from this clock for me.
8:10:24
